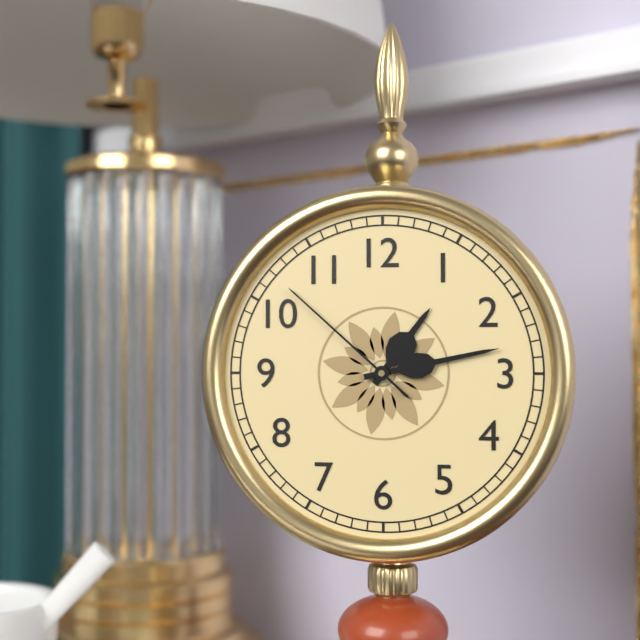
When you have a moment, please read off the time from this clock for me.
1:13:52
